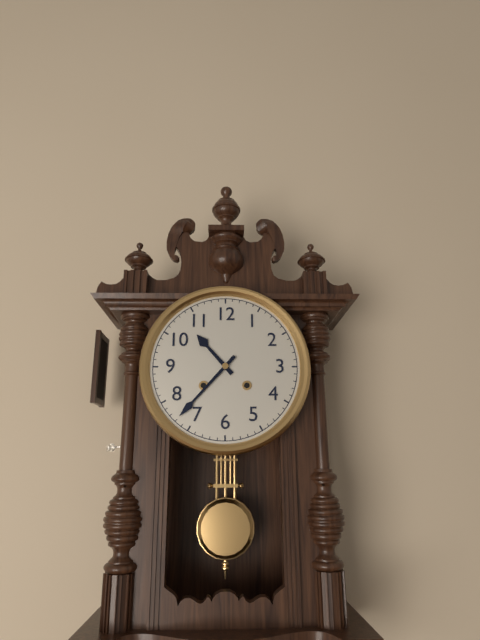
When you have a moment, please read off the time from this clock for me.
10:37
